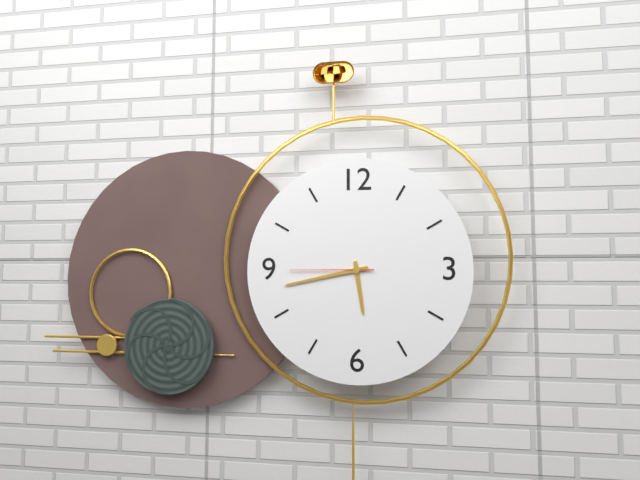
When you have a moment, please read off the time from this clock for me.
5:43:45
